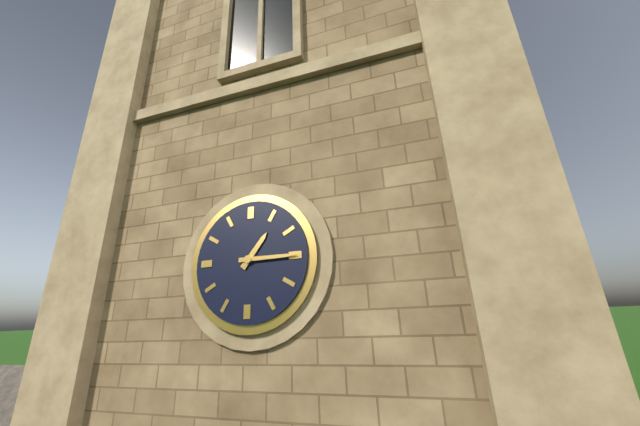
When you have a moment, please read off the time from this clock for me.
1:15
